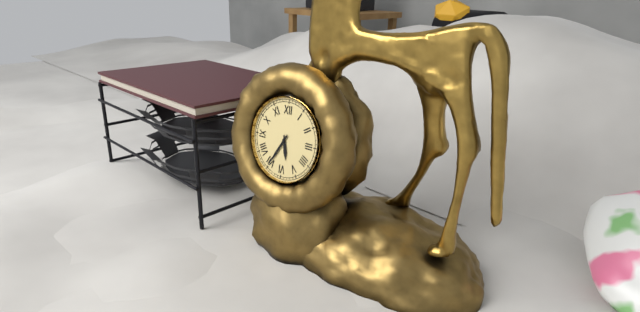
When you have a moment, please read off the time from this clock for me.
5:35
